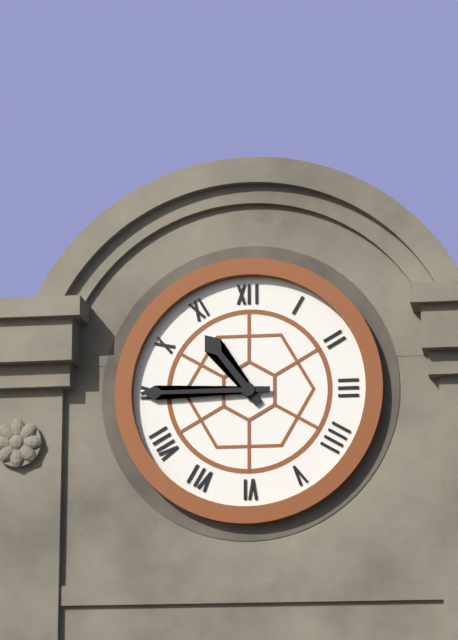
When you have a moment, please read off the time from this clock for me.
10:45
